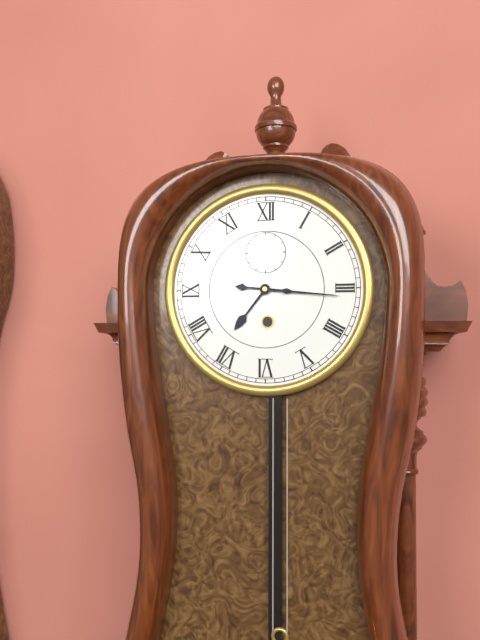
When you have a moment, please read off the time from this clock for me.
7:16
